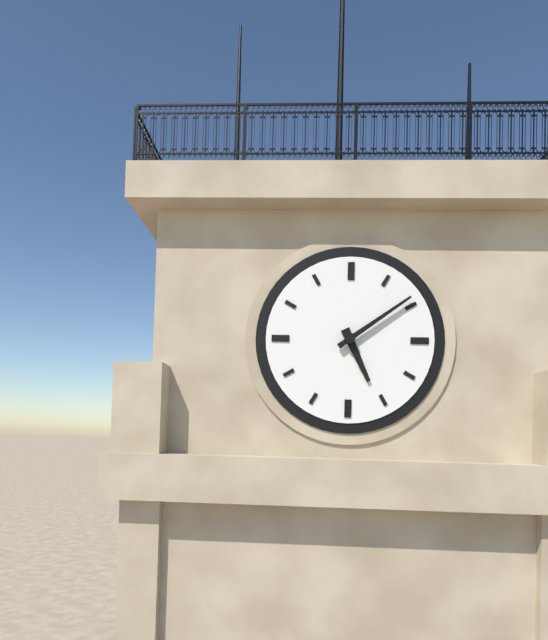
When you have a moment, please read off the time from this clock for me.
5:09
